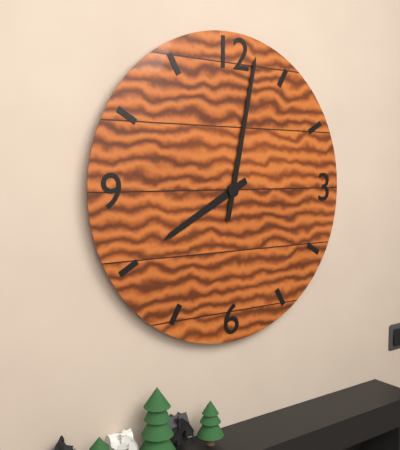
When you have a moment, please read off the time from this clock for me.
8:02
